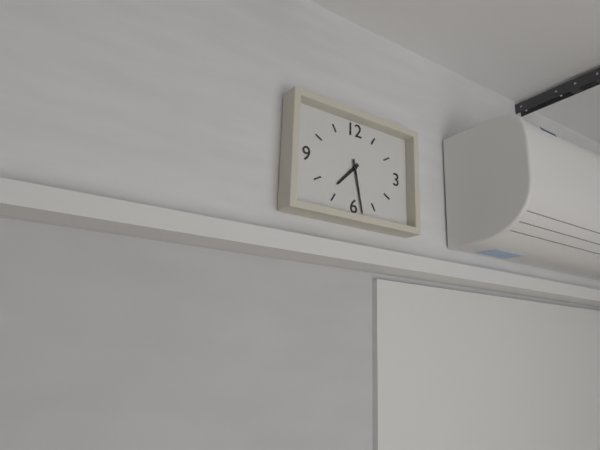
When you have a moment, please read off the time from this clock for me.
7:28
